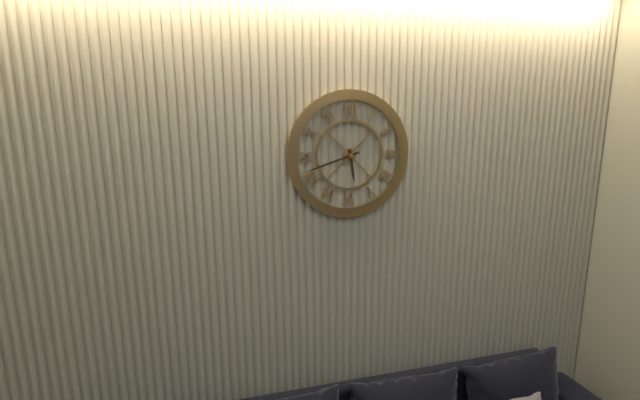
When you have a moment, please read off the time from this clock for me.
5:42
